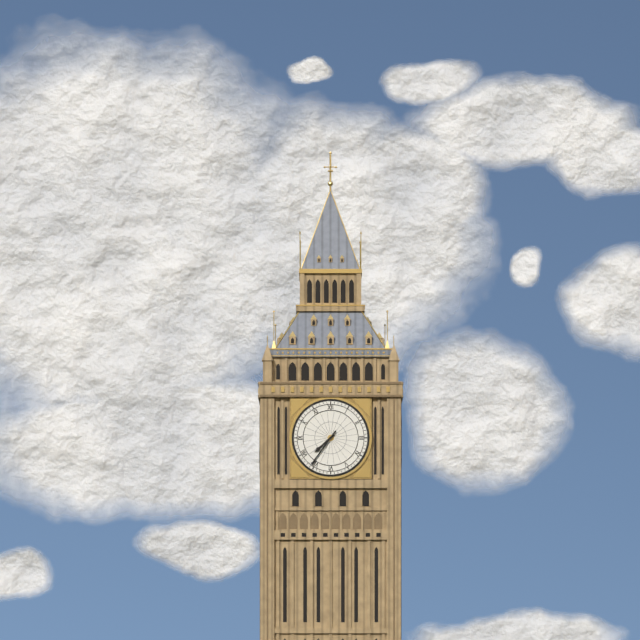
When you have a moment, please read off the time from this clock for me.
7:36
